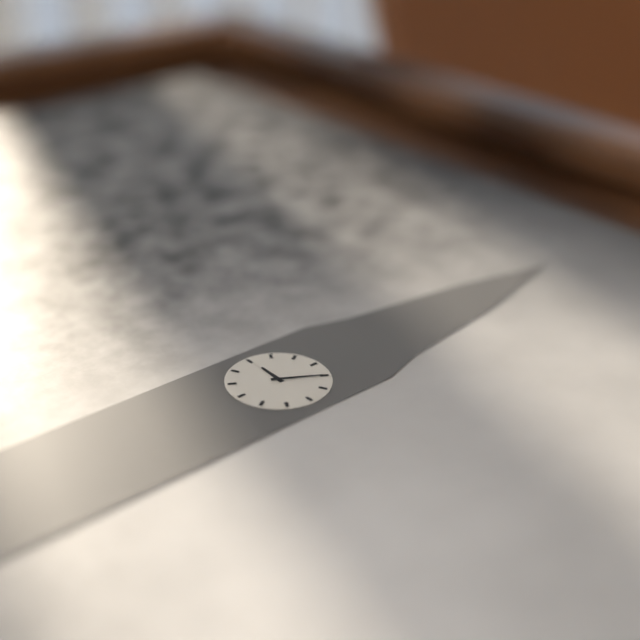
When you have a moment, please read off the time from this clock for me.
9:05
